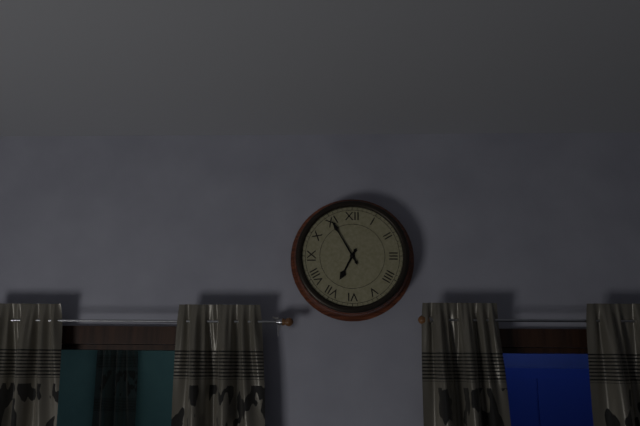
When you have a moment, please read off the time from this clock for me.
6:55
